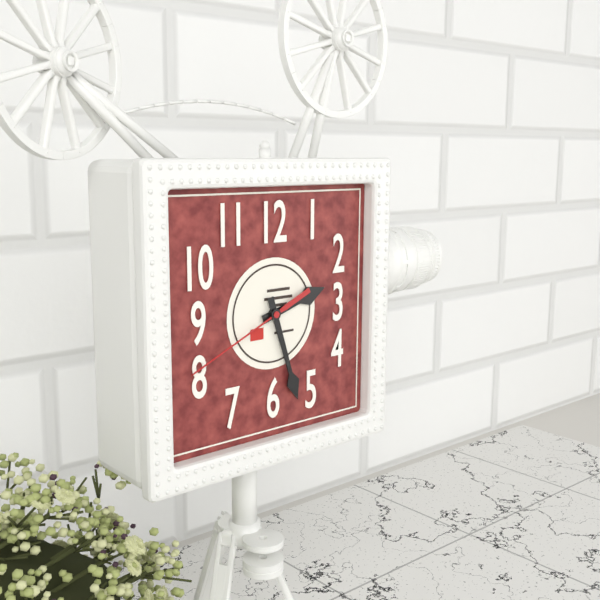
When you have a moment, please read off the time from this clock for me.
2:27:41
